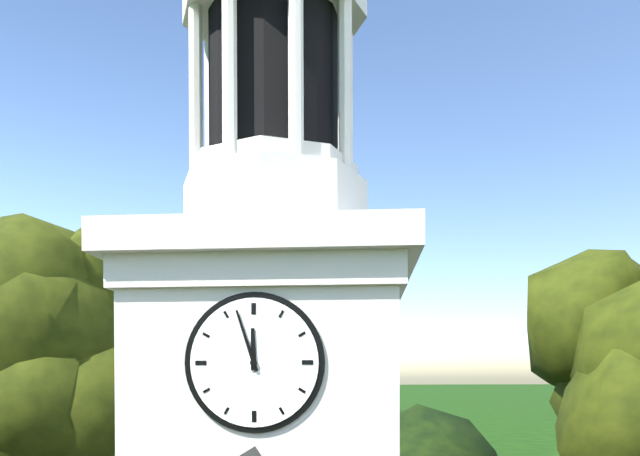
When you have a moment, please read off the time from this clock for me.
11:57
